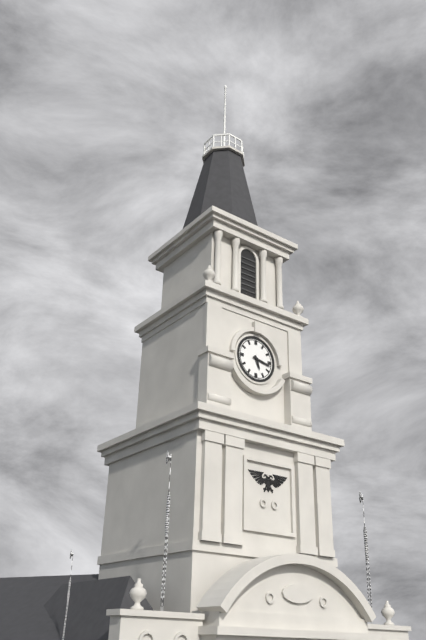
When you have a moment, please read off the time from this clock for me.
5:17
